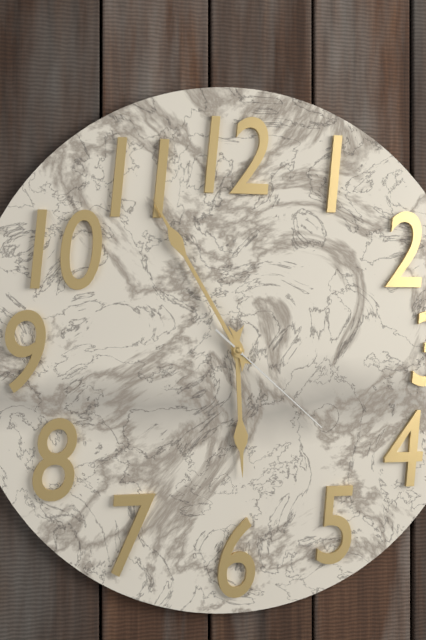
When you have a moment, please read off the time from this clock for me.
5:55:22
